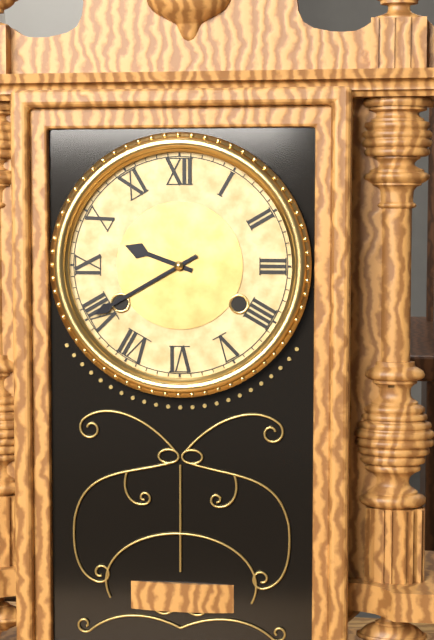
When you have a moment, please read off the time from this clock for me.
9:40
